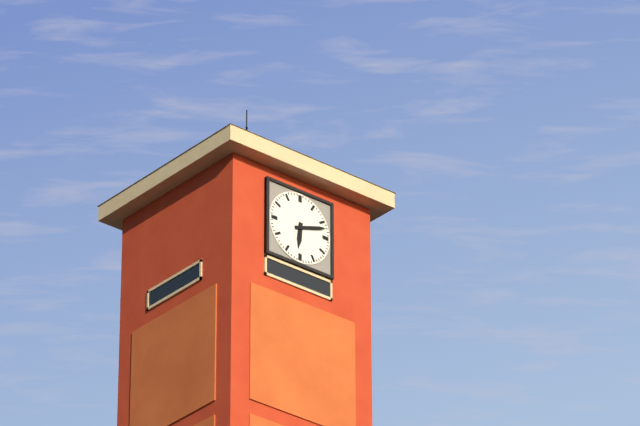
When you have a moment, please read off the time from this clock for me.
6:12
